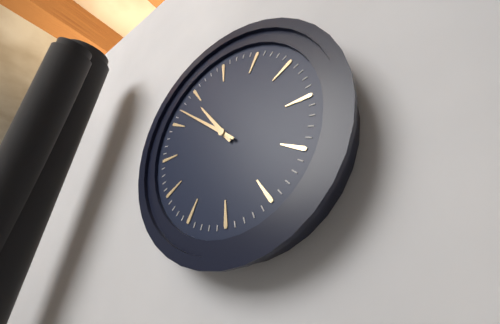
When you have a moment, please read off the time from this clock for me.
10:52
